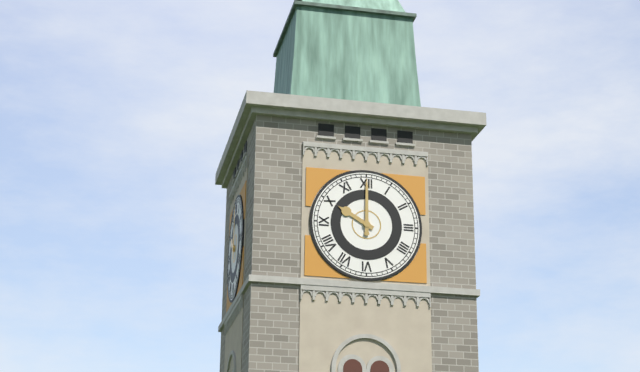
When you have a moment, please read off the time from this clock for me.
10:00
